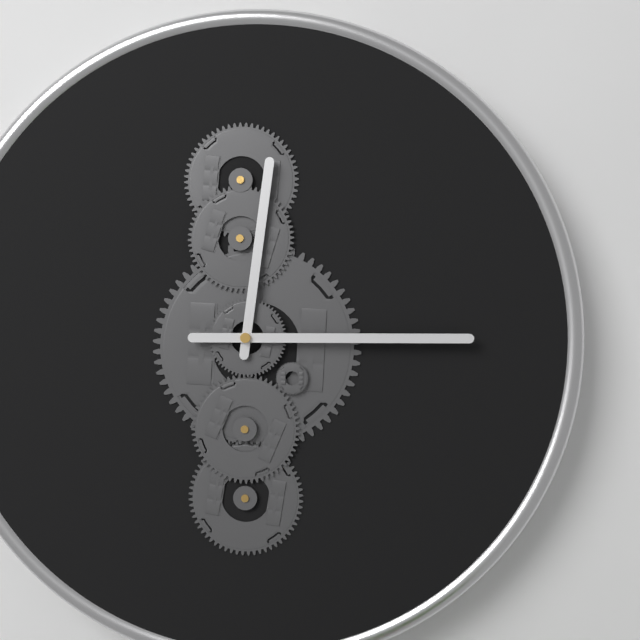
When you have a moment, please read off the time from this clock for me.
12:15
